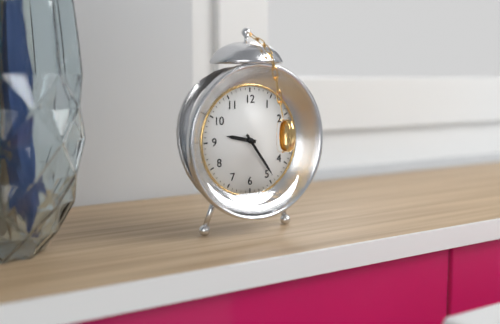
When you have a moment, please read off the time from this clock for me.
9:24
